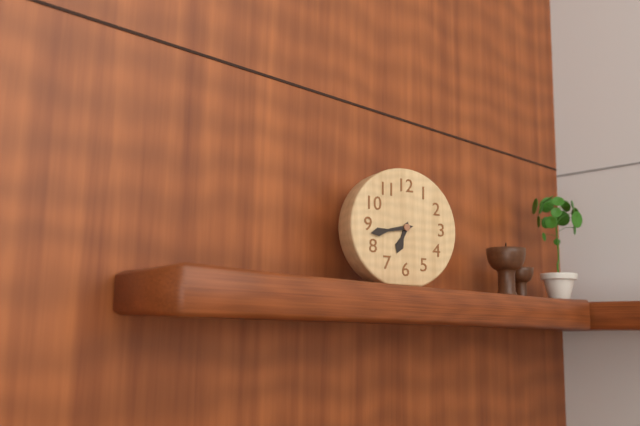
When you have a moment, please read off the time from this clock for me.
6:43
